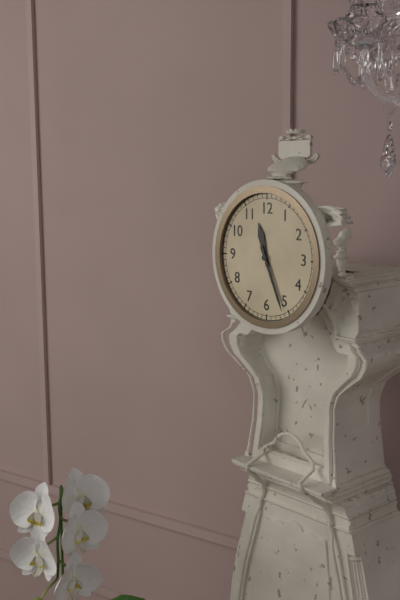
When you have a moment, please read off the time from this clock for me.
11:26
